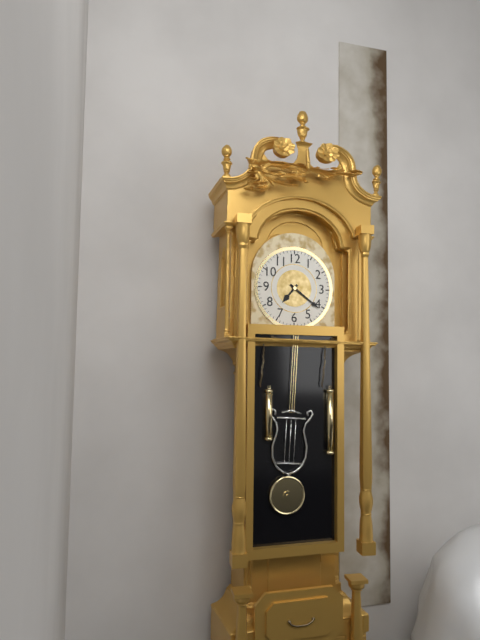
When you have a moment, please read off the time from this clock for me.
7:21
